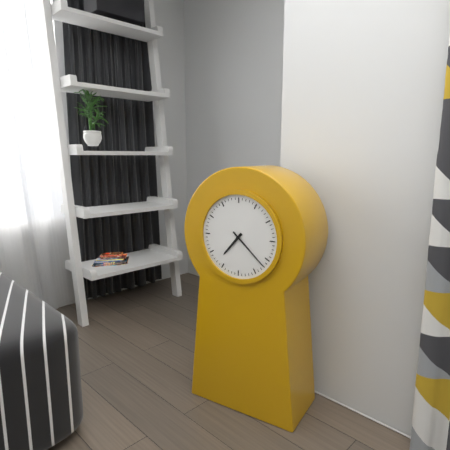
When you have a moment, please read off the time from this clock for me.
7:22
